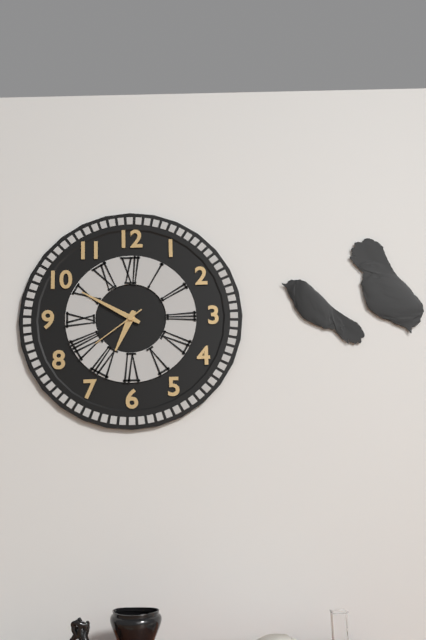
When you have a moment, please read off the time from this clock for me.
6:50:39
